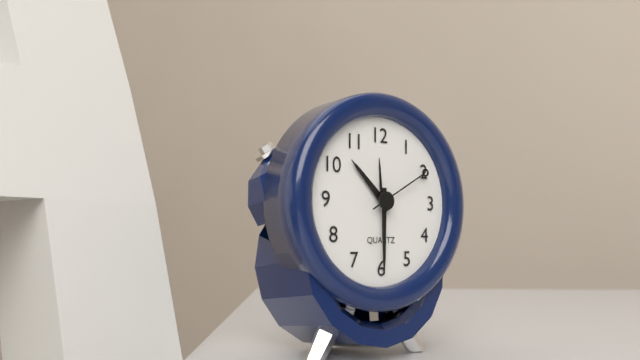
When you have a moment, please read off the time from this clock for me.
10:30:10
